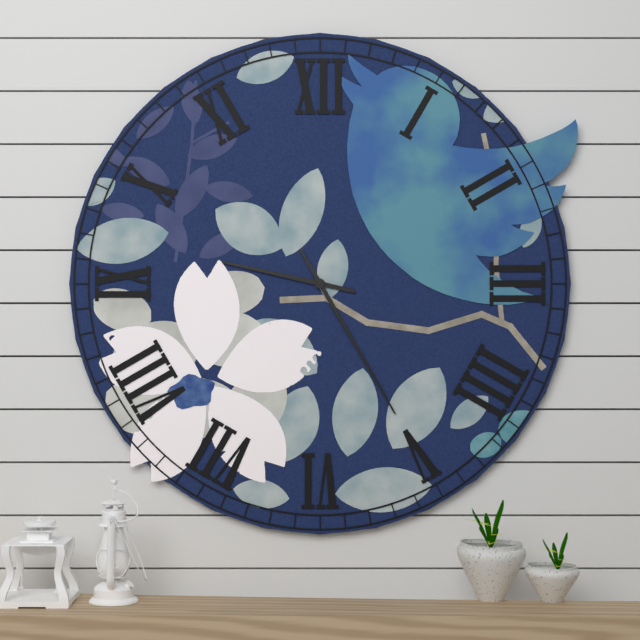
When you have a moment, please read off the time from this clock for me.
9:25
